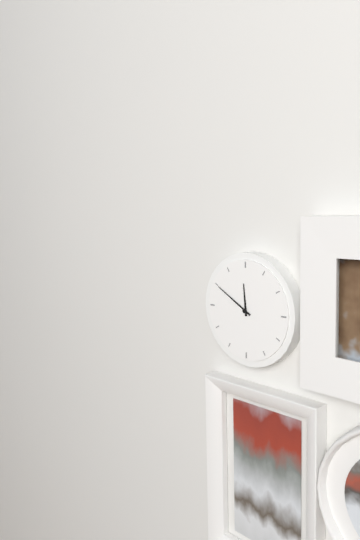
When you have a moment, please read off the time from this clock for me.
11:50
